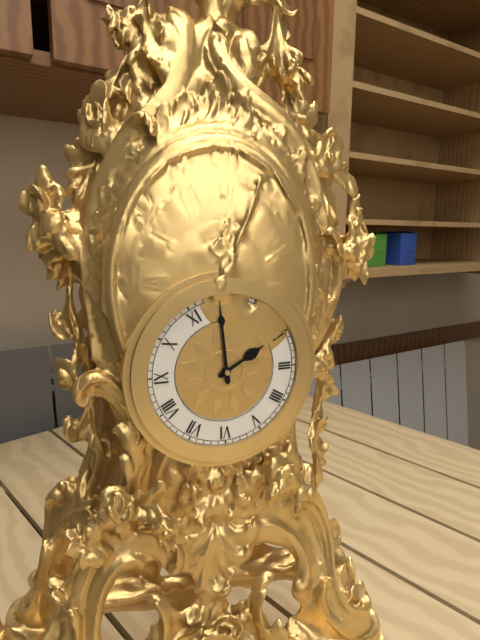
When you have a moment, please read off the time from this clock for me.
1:59
